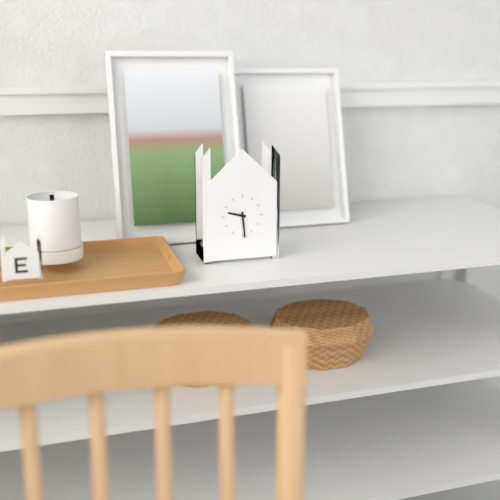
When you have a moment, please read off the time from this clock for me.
9:29
